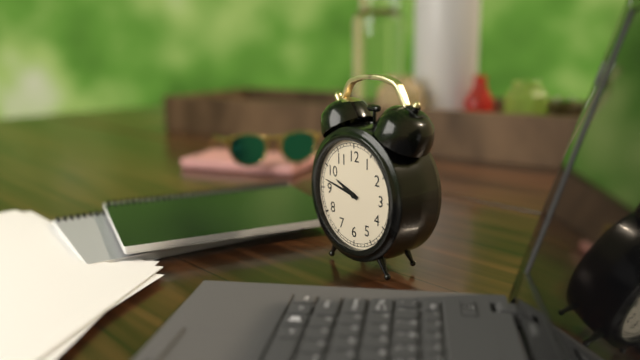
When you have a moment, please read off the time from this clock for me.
9:47
